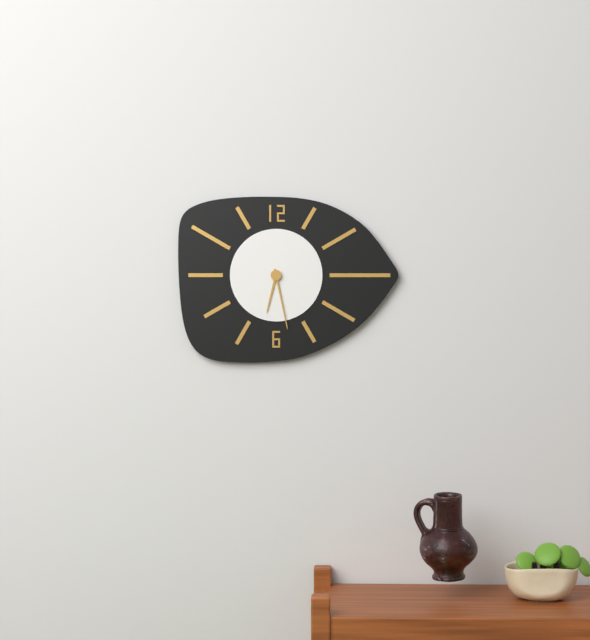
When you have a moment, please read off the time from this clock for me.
6:28
